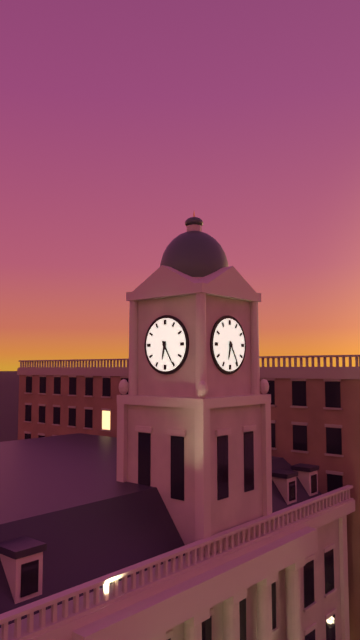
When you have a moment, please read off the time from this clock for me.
6:25
